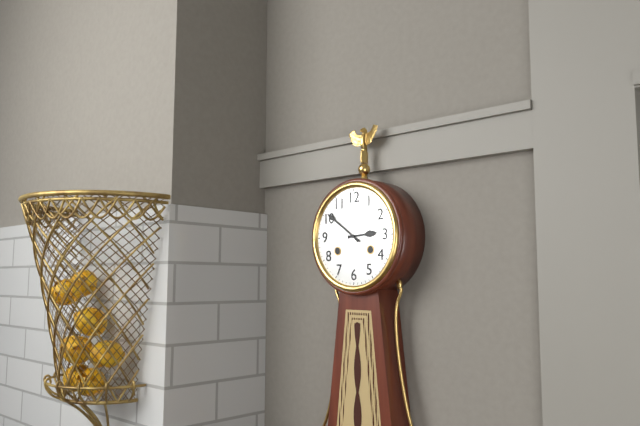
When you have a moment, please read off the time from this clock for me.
2:51
